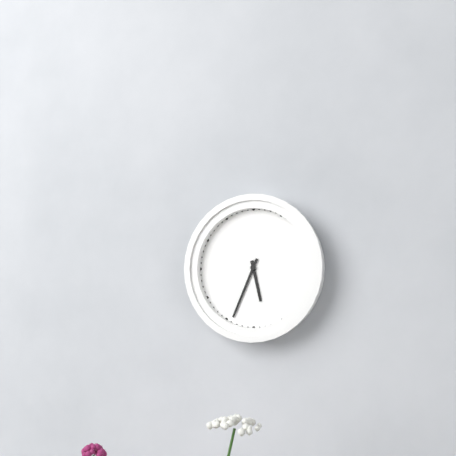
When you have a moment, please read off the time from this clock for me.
5:34
